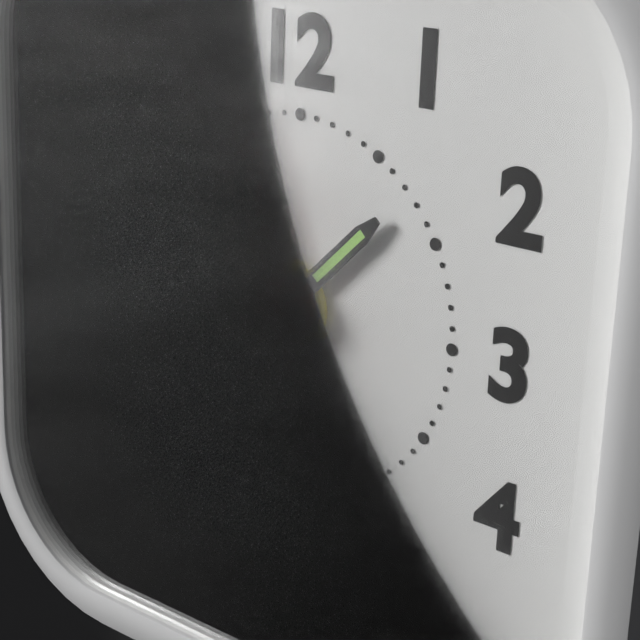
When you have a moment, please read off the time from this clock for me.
1:29:57
